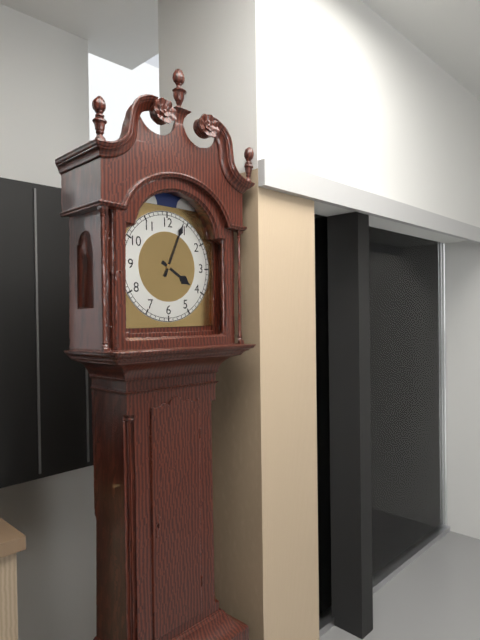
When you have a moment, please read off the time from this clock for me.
4:04
